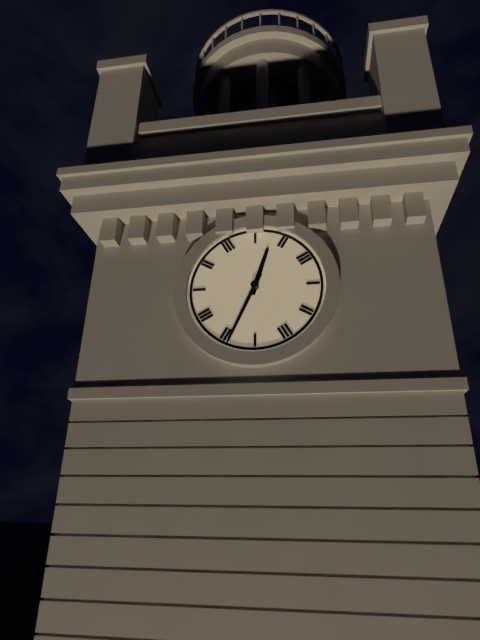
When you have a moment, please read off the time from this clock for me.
12:34
